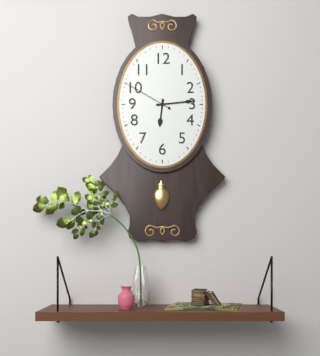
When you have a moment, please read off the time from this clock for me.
6:14:50
